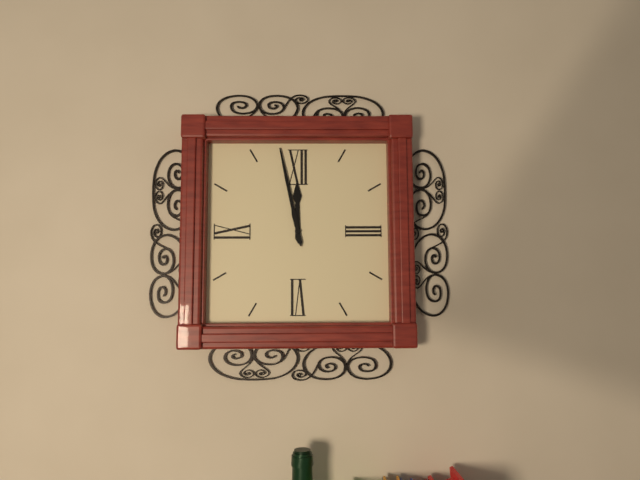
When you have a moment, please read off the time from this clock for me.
11:58
